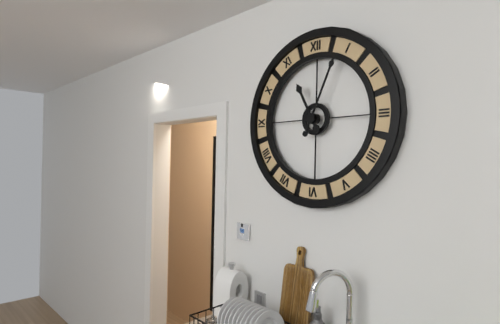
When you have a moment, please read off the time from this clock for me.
11:04
